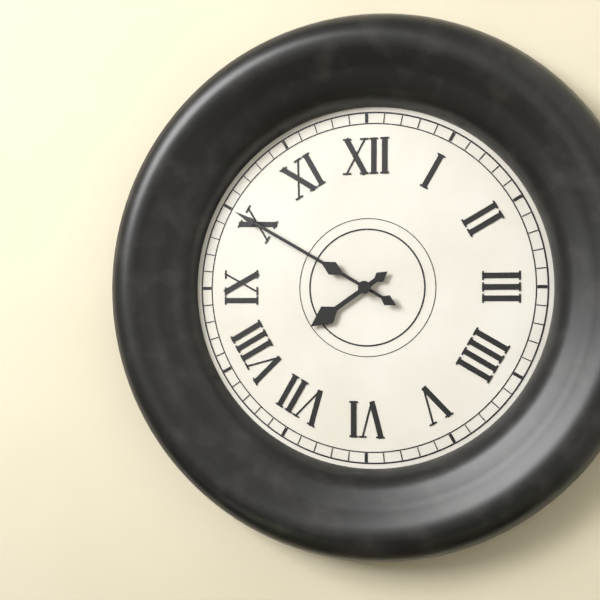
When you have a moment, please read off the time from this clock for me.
7:50
